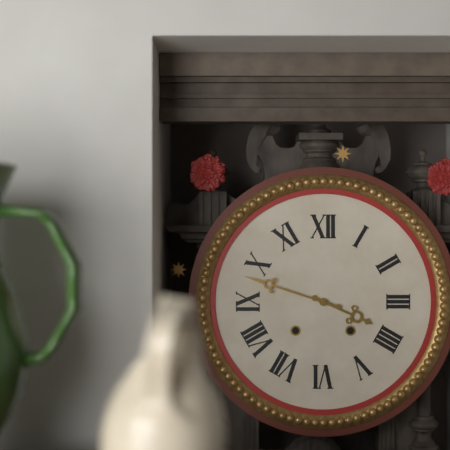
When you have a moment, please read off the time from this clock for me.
3:48
